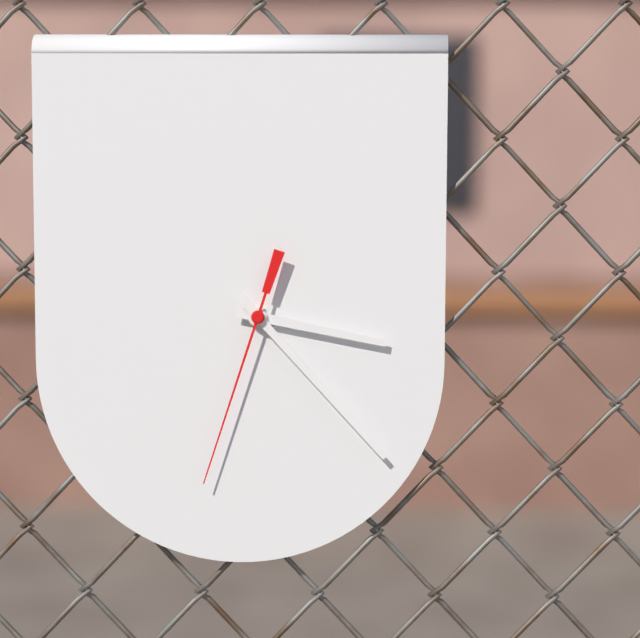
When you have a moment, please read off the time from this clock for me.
3:23:33
